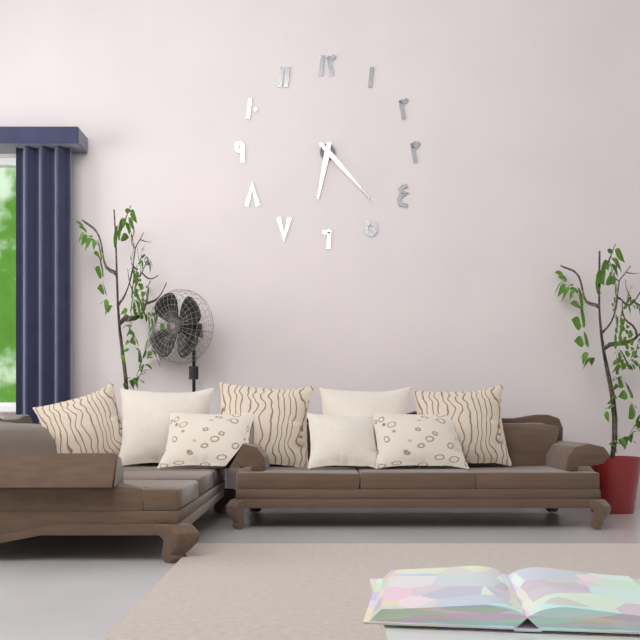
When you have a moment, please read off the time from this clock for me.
6:23
